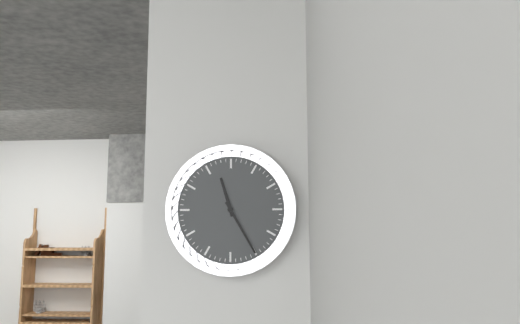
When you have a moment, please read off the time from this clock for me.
11:25
